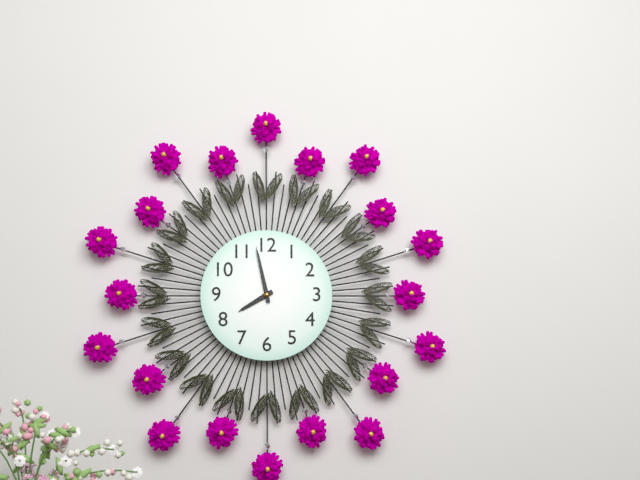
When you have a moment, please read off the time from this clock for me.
7:58
